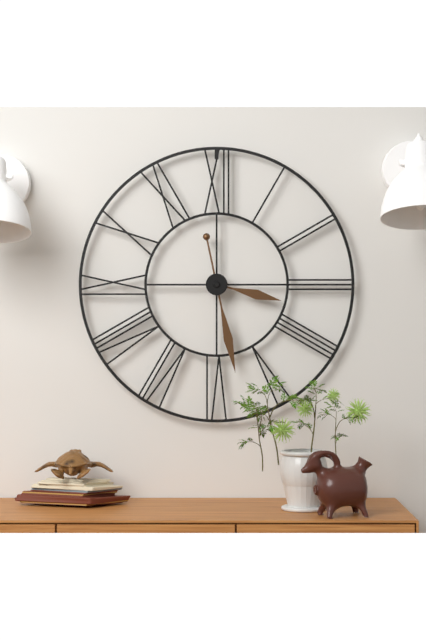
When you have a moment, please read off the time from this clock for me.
3:28
